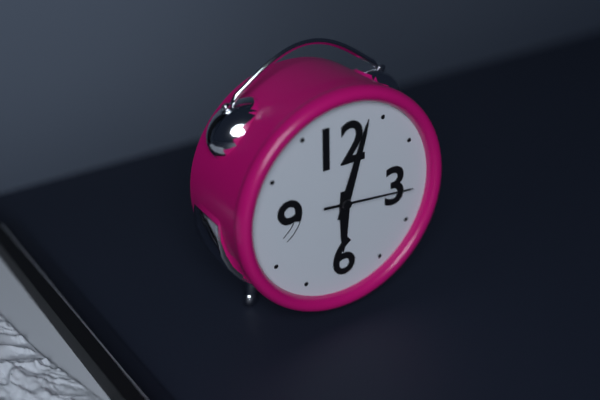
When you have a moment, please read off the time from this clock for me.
6:03:16
